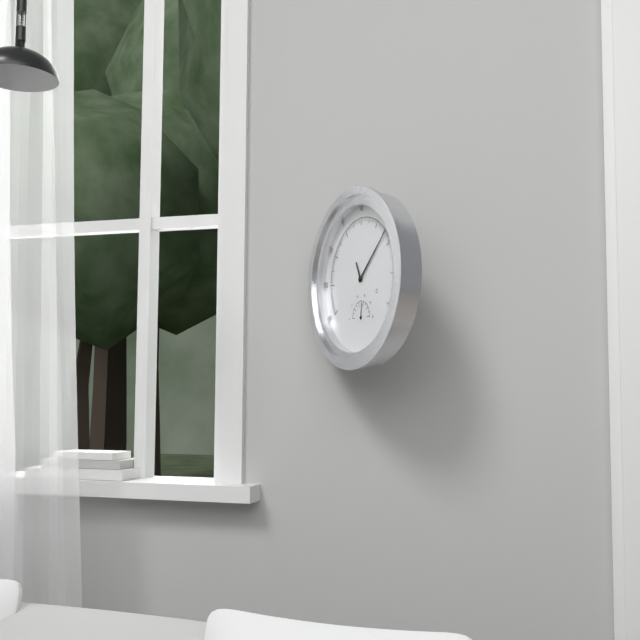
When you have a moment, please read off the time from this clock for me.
11:08
